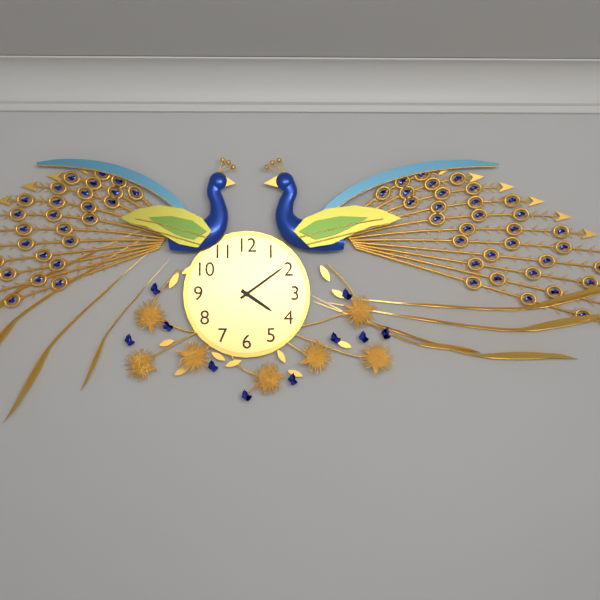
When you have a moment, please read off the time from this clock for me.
4:09
